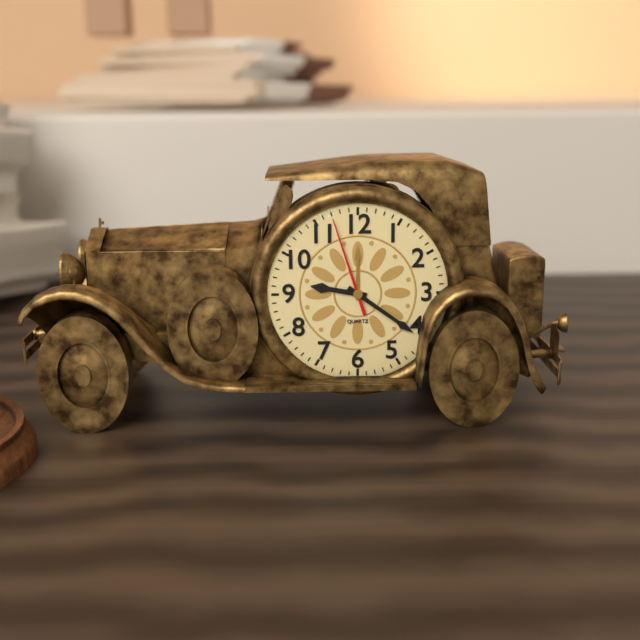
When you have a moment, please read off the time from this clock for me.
9:21:57
